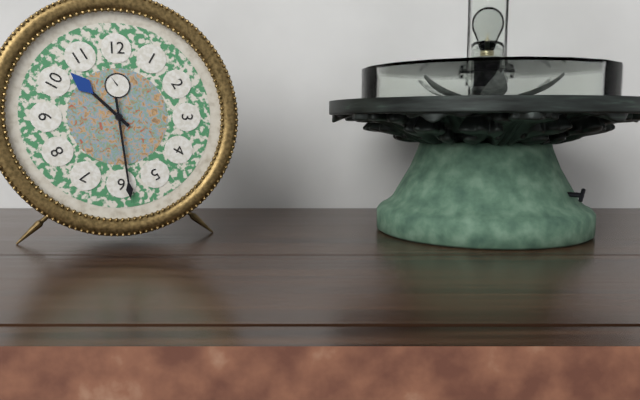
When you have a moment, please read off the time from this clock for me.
10:29
